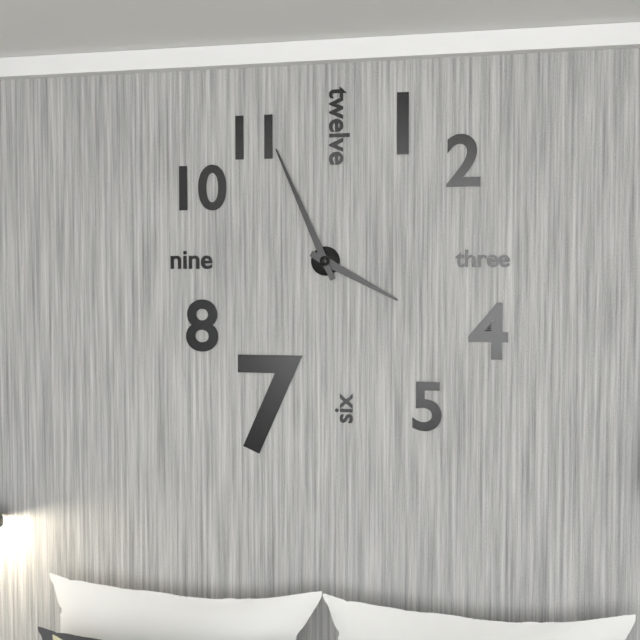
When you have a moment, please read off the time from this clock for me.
3:56
